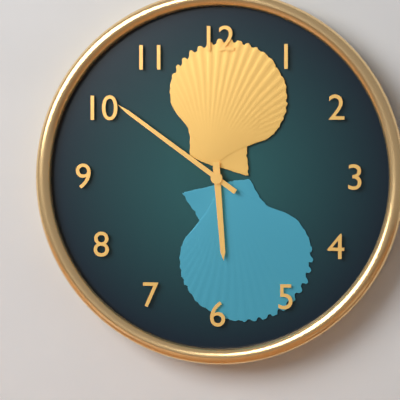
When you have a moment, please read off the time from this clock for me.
5:51
